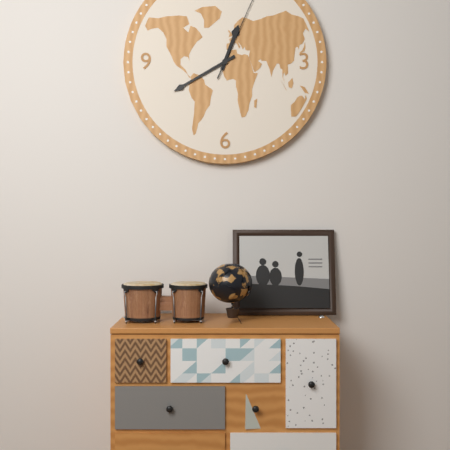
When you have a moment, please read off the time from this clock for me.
12:40
